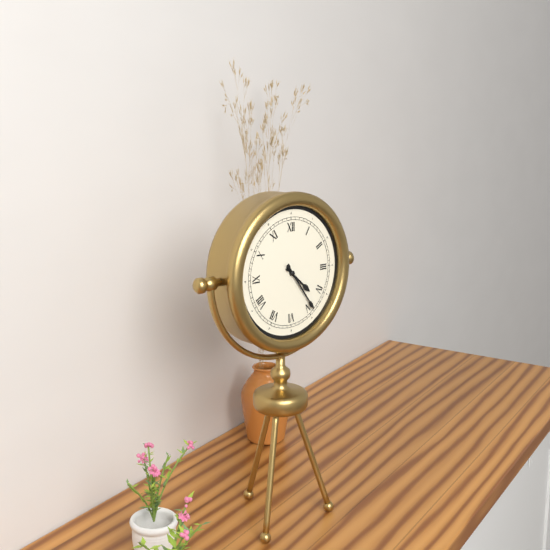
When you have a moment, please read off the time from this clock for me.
4:24
